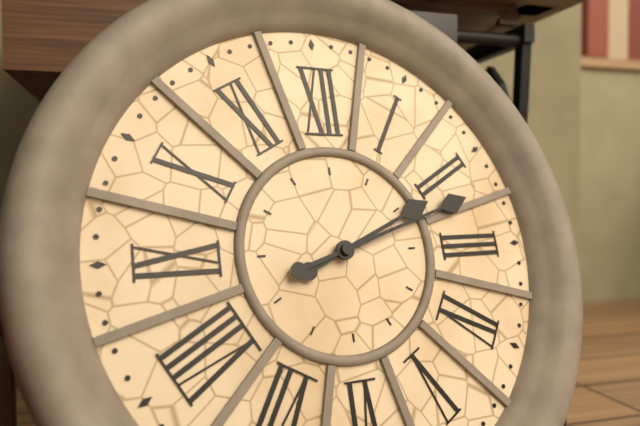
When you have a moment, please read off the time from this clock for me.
2:12
